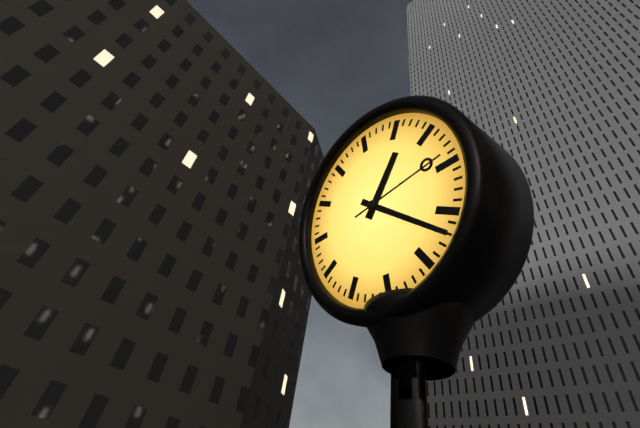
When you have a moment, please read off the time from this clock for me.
1:22:14
